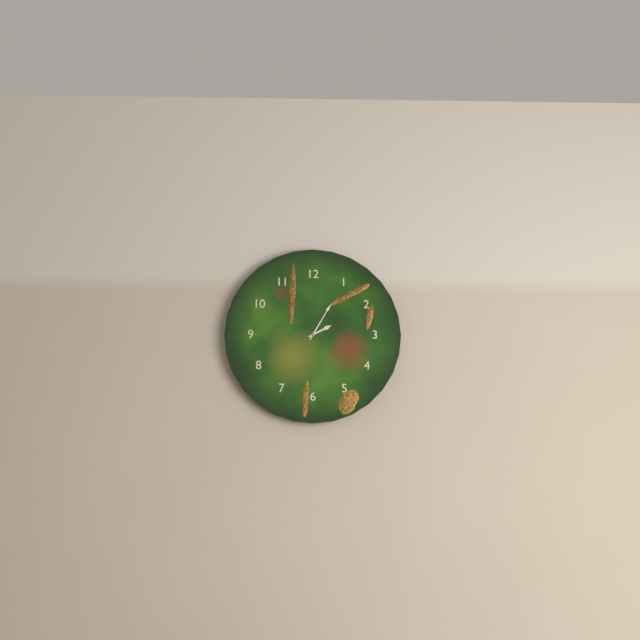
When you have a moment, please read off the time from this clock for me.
2:05
